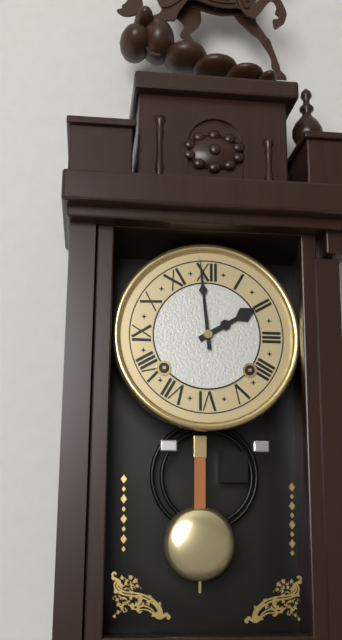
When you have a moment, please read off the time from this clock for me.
1:59
